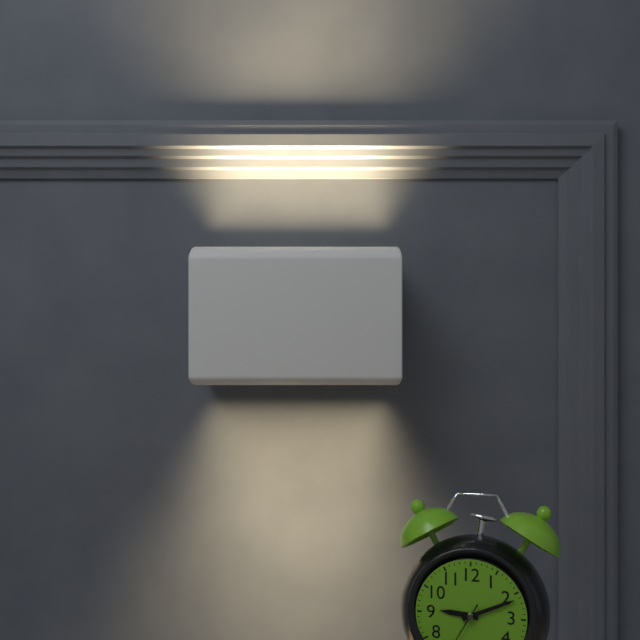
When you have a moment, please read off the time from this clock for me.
9:11
